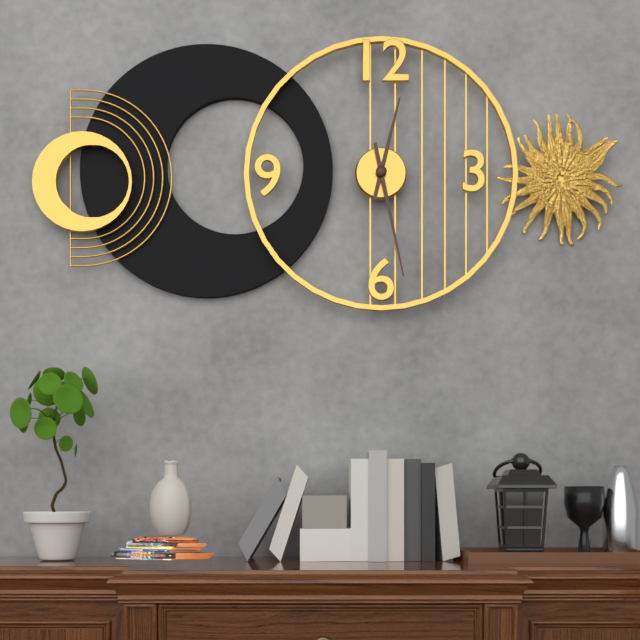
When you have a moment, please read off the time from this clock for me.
12:28
